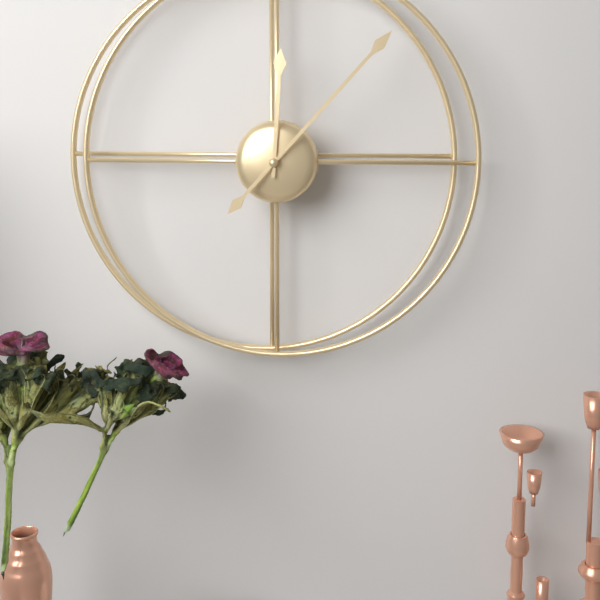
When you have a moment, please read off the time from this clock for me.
12:07
